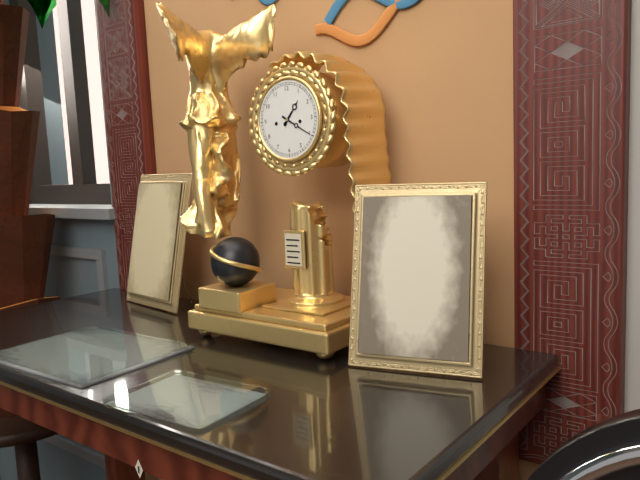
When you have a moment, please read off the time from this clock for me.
1:20
